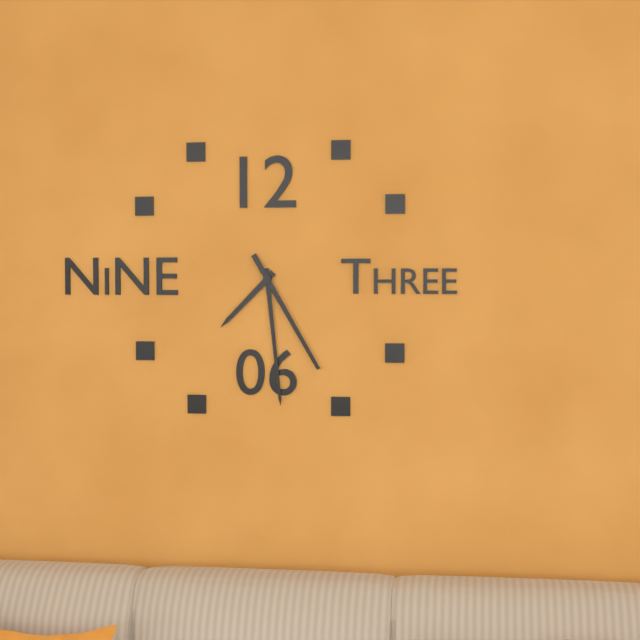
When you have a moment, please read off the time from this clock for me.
7:29:25
